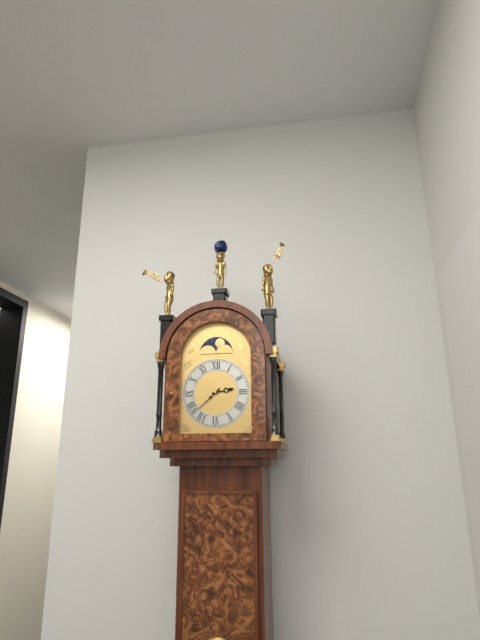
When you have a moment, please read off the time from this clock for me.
2:38
